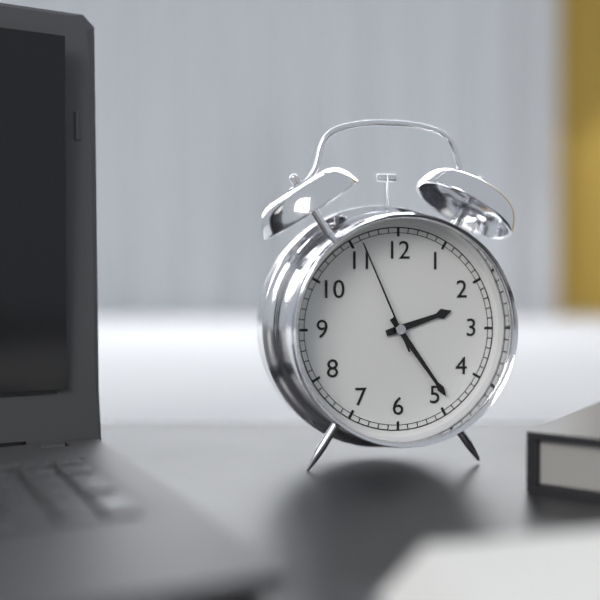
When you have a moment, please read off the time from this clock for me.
2:24:56
